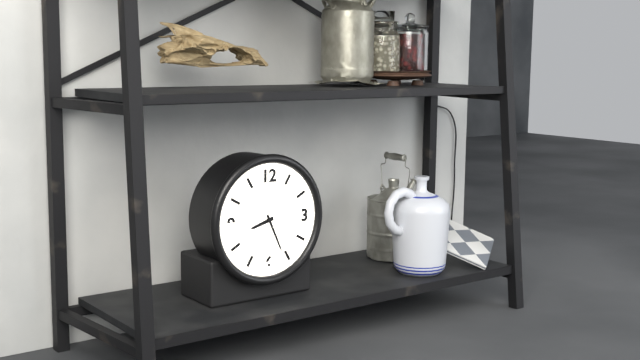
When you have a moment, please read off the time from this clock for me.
8:26
